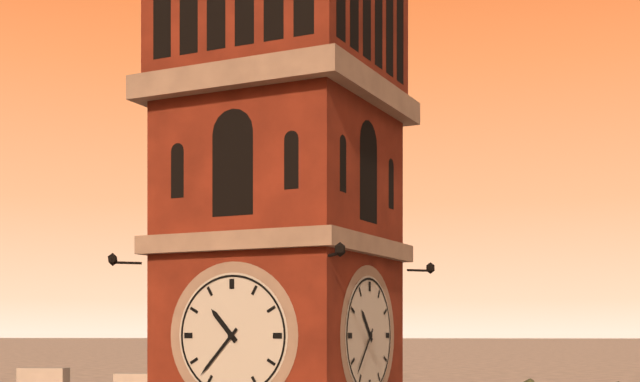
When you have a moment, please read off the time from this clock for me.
10:37
